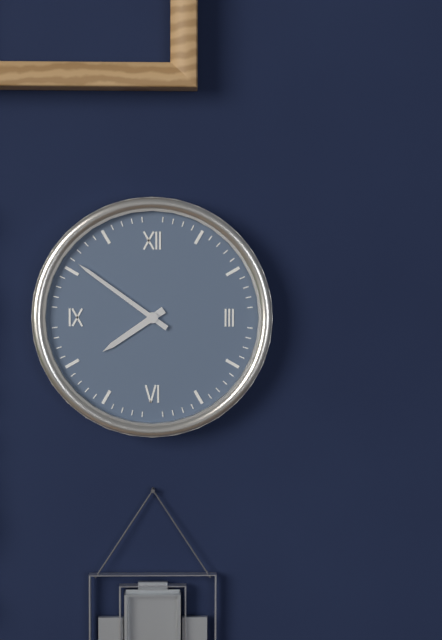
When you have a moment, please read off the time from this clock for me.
7:51
